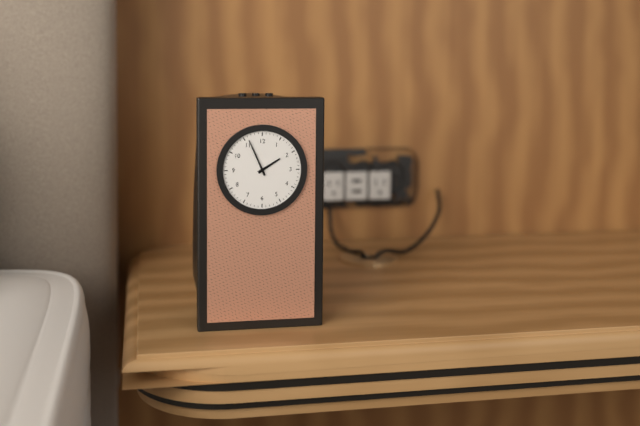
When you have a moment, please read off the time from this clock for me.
1:56
